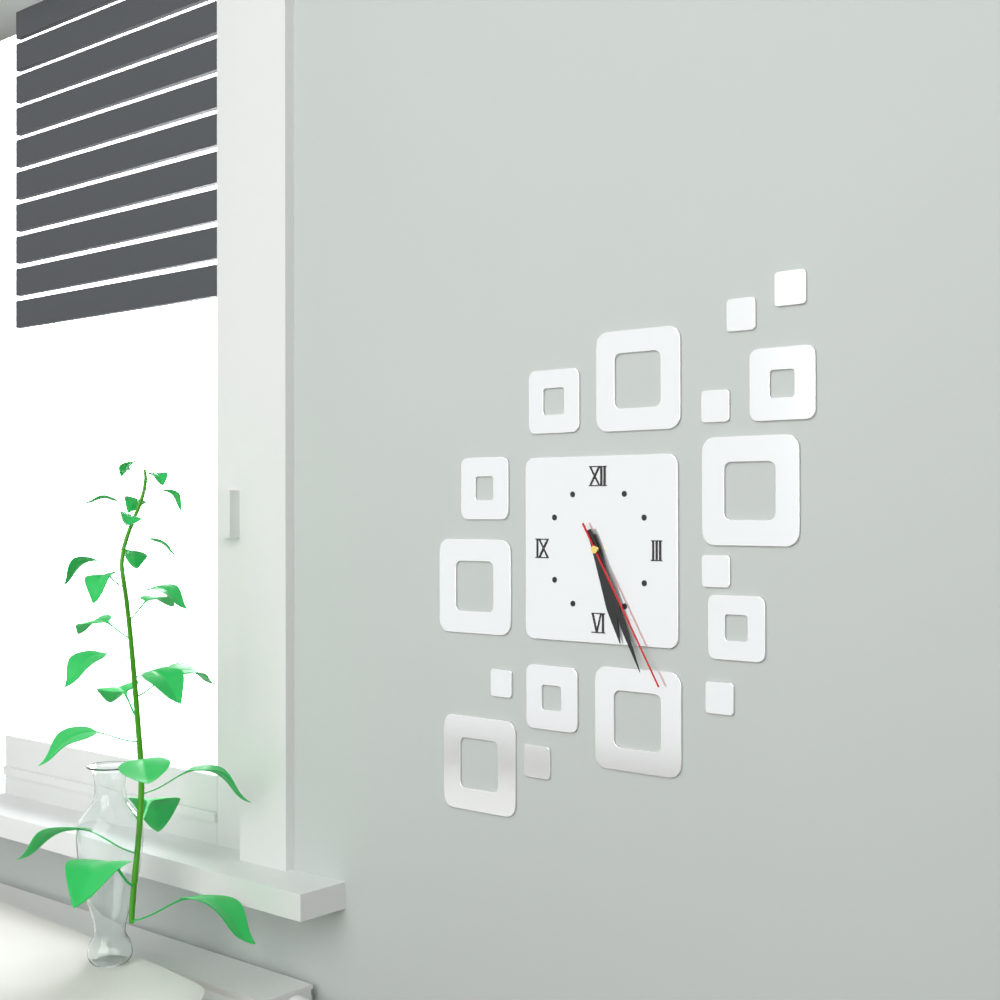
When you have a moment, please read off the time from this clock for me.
5:26:25
